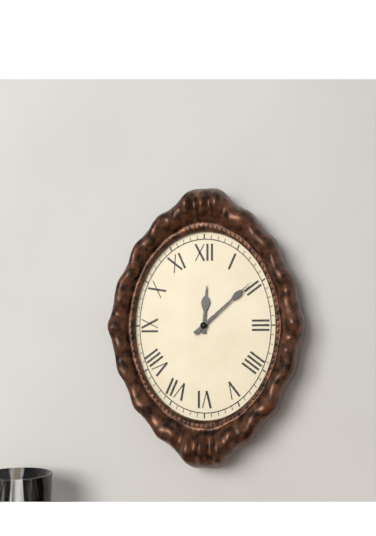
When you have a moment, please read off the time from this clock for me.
12:08
